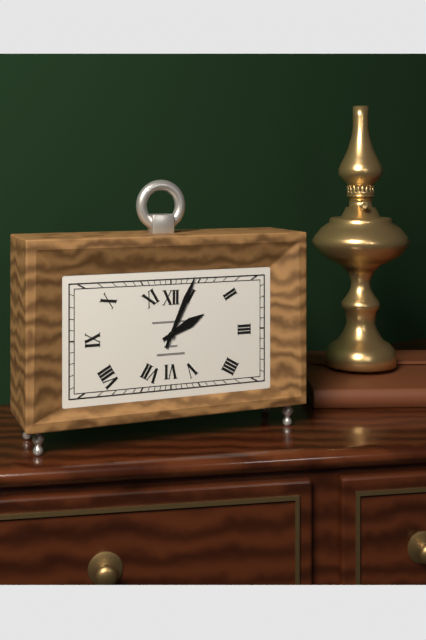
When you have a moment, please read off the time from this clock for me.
2:04
